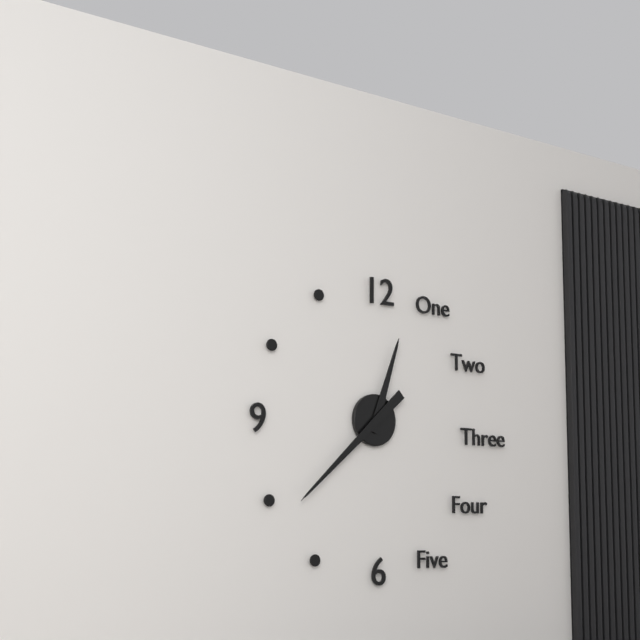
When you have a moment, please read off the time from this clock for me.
12:38
